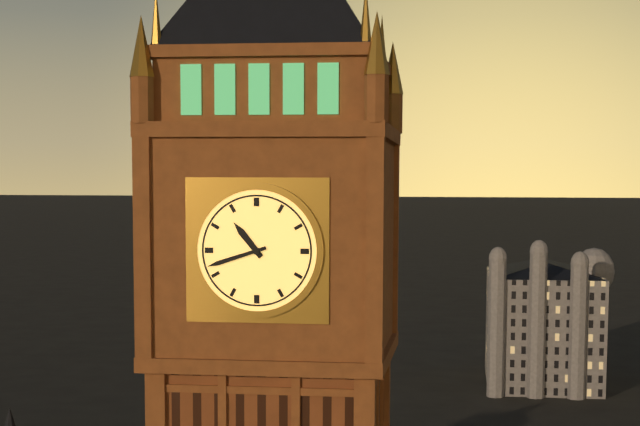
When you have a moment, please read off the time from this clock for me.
10:42
